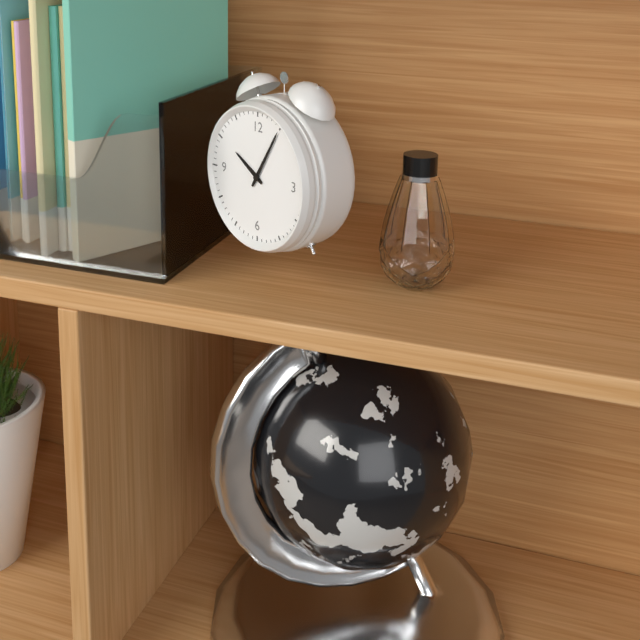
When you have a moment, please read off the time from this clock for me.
10:05
